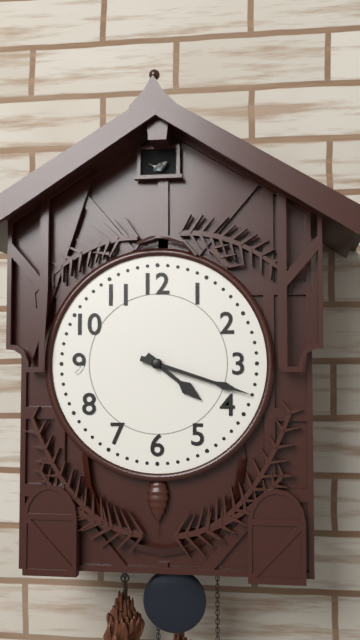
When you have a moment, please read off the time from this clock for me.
4:18
